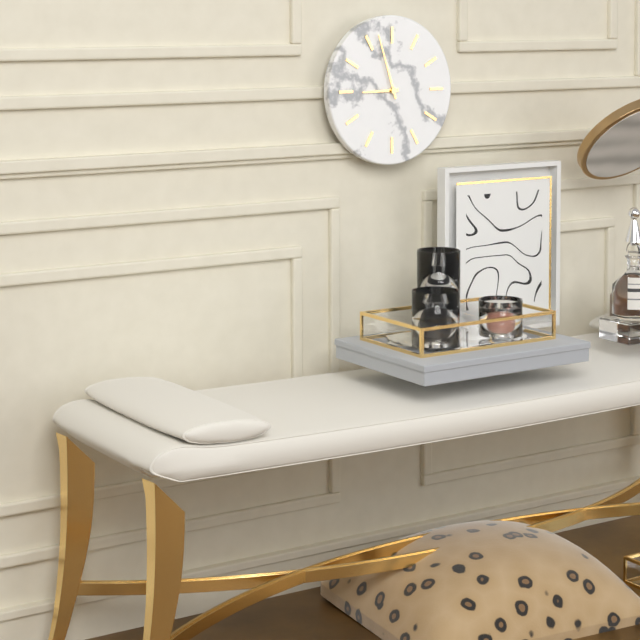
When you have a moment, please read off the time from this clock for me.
8:57
